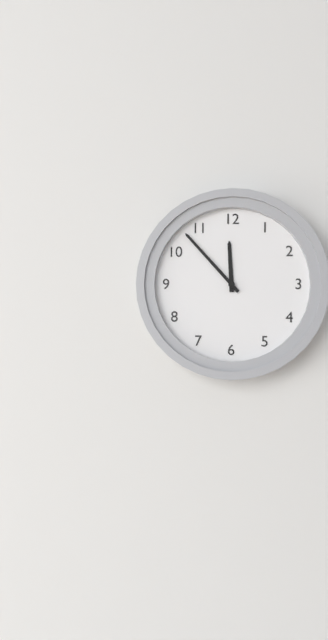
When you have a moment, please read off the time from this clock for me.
11:53
